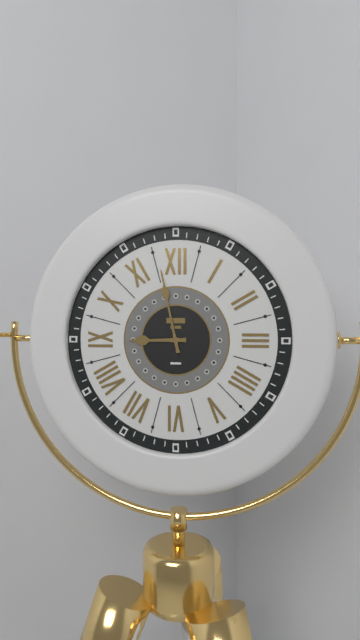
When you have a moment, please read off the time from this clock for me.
8:58
